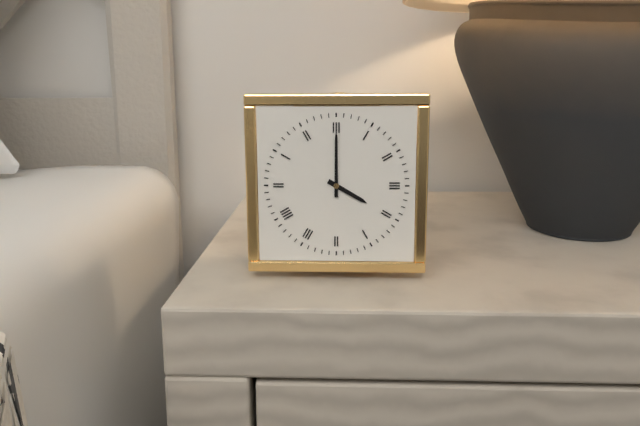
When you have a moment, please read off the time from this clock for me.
4:00
